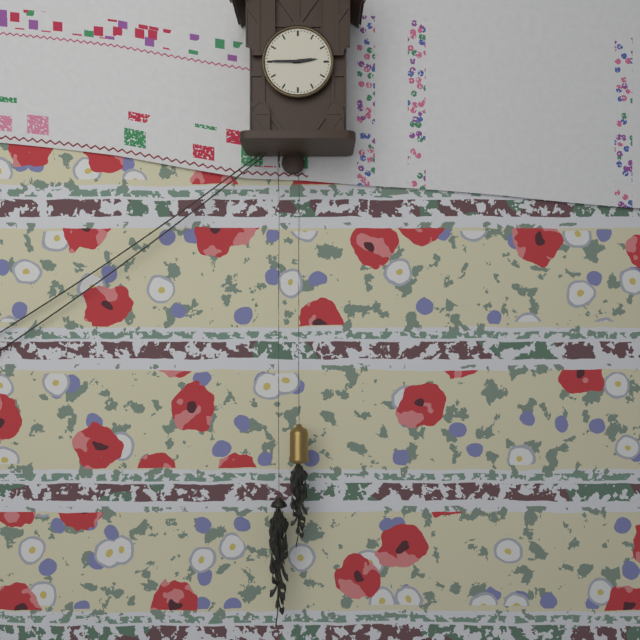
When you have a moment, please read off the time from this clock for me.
2:45
